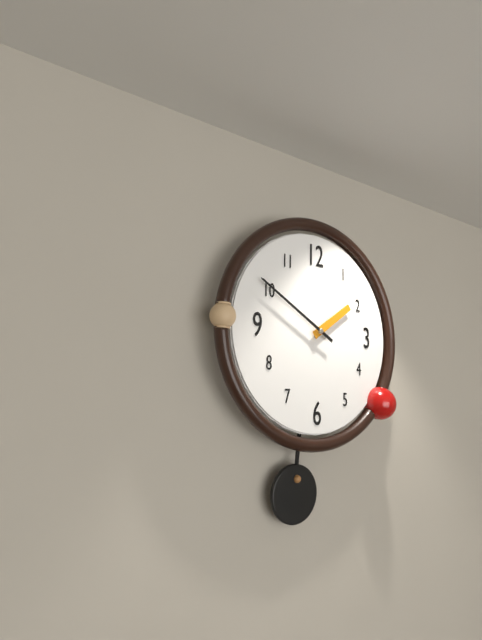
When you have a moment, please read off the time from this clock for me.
1:50
